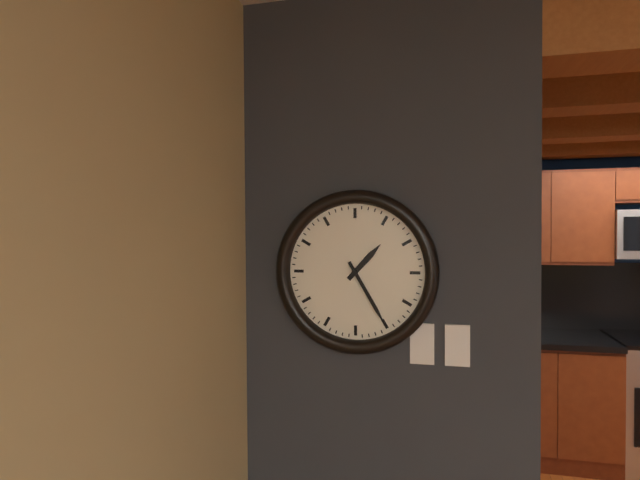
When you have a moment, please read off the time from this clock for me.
1:25
